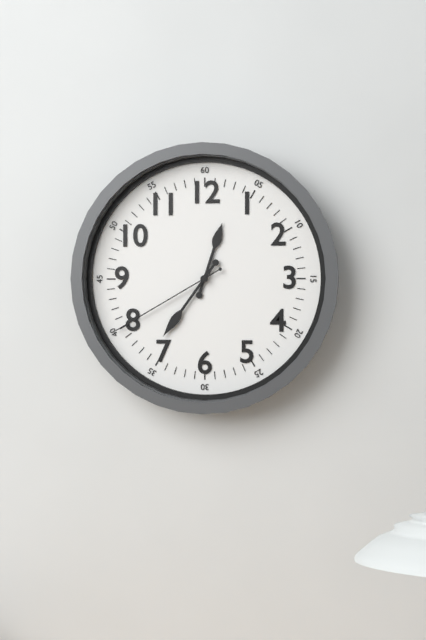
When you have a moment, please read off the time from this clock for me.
12:36:40
